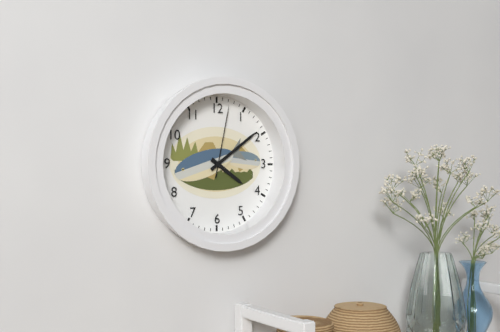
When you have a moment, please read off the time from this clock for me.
4:09:02
